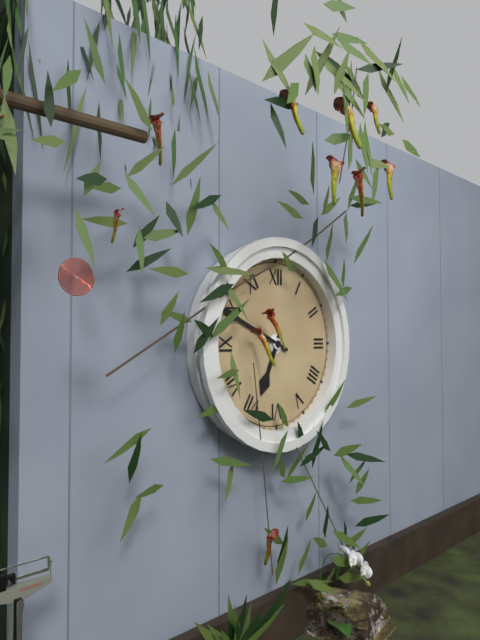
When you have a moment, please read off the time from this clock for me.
6:49
